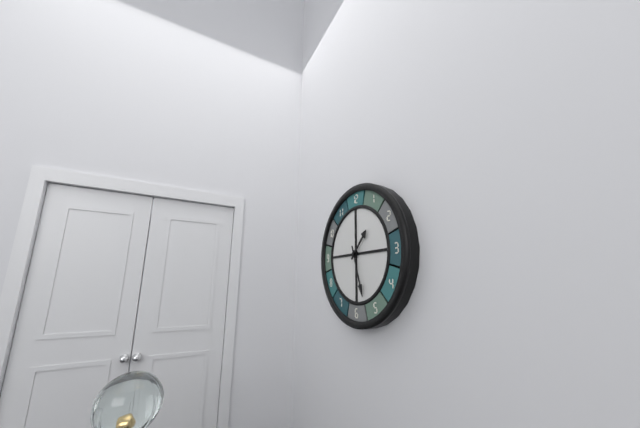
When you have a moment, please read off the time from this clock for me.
1:27
